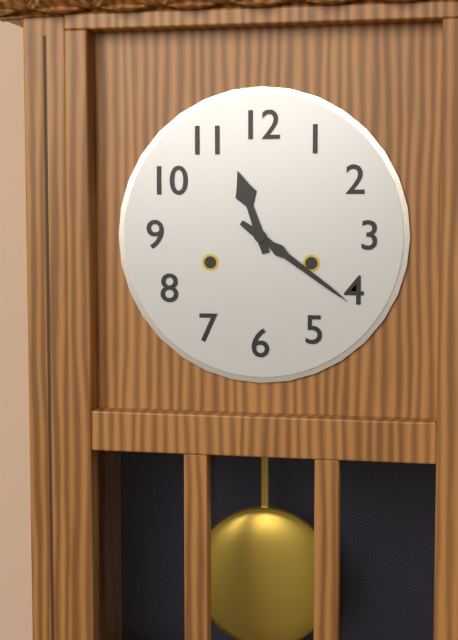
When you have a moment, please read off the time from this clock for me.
11:21
